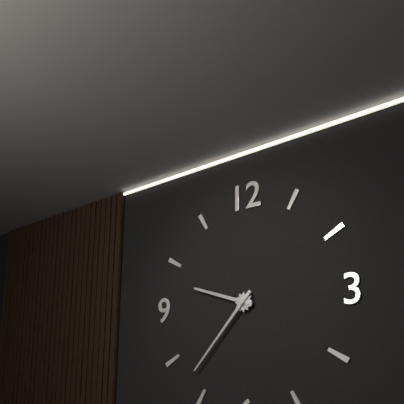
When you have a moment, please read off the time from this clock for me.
9:37
